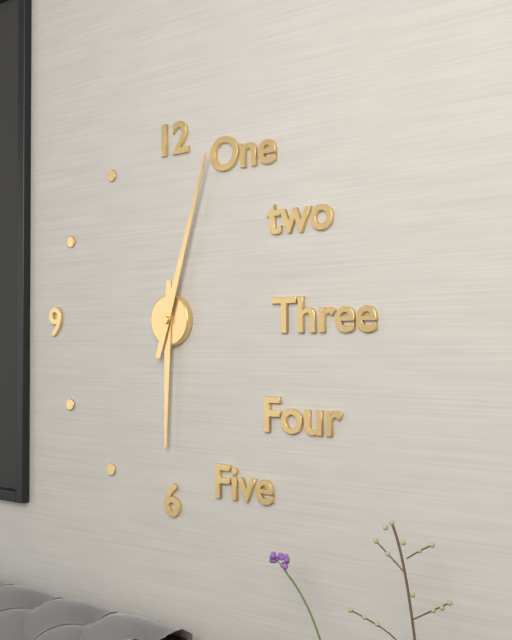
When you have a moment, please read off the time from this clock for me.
6:03
